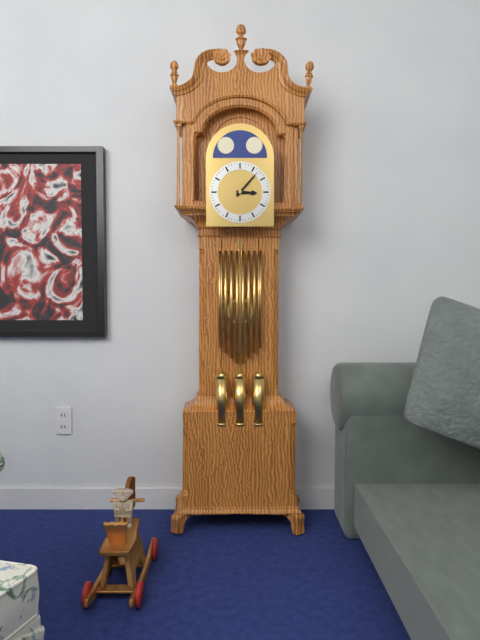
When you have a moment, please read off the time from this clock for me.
3:07
